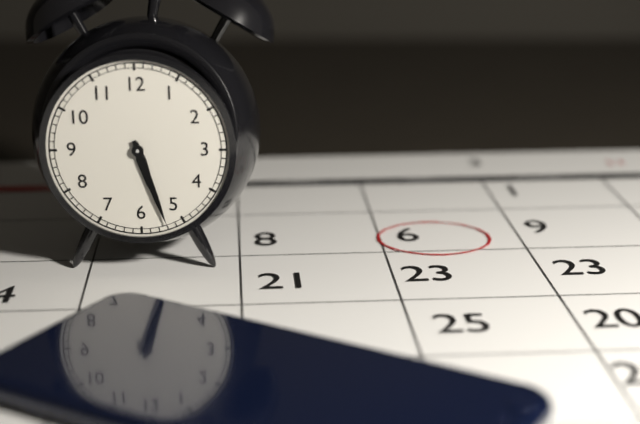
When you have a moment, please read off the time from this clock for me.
5:27
